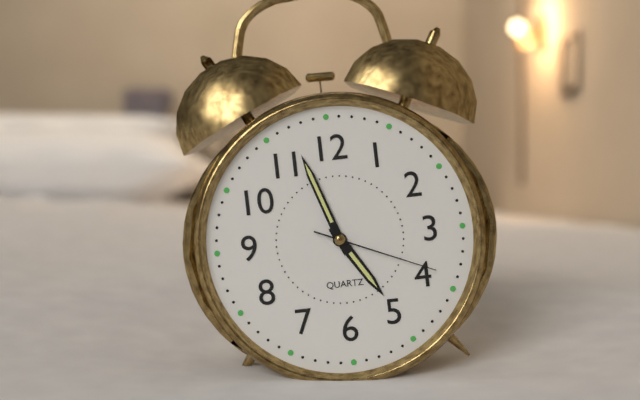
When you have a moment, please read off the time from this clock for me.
4:57:19
